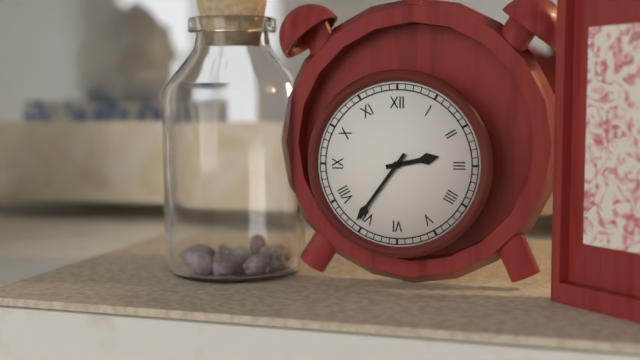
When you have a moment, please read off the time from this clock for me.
2:36
